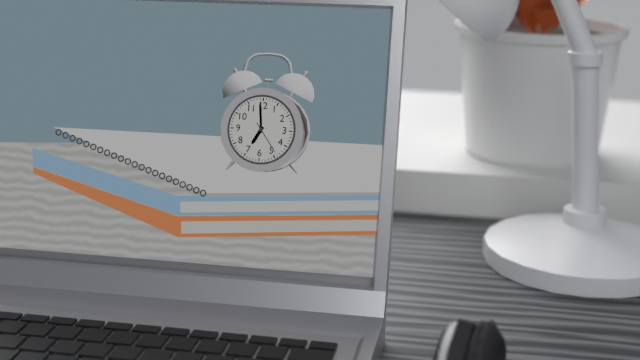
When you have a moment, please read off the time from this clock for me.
6:59
